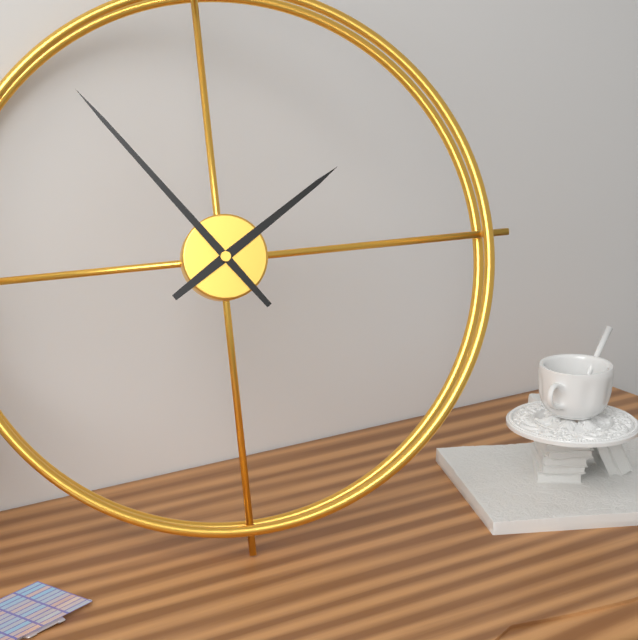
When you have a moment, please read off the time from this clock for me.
1:54
